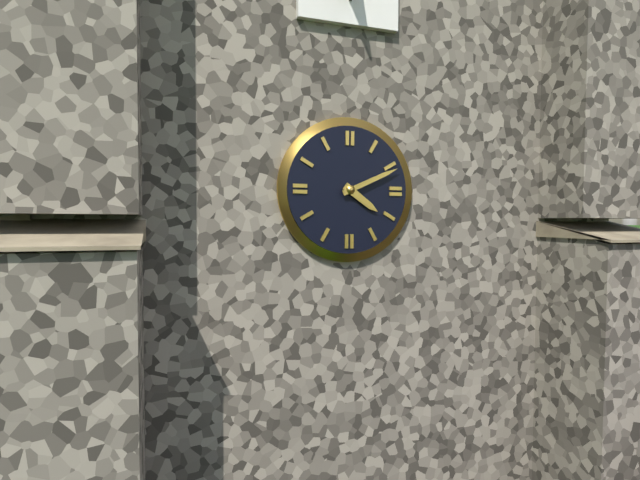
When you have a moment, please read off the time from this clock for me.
4:11
